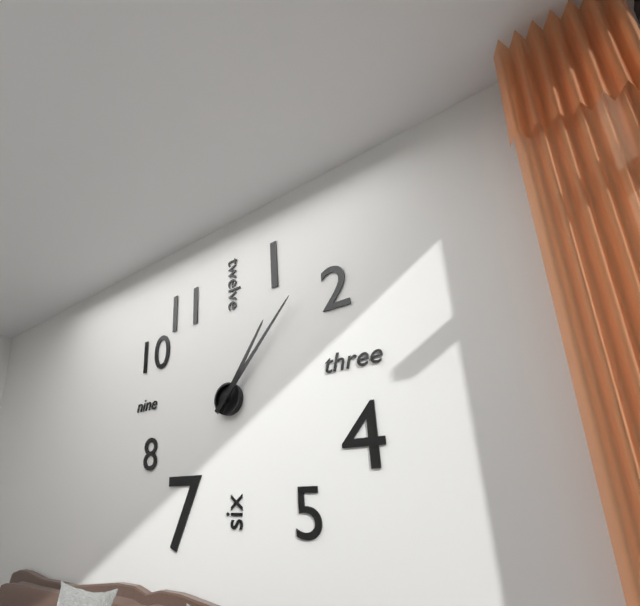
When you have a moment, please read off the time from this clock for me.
1:07
